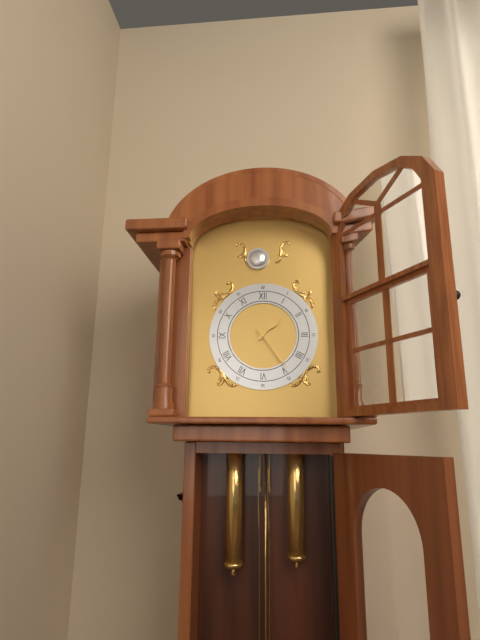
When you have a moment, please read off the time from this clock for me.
1:24
